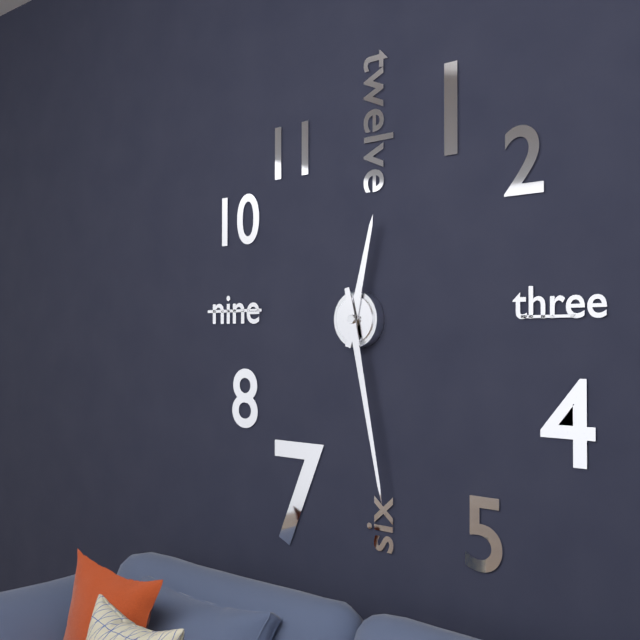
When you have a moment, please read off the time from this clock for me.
12:28
